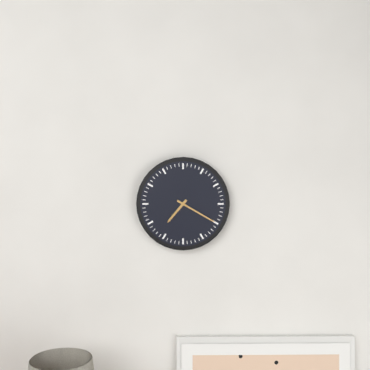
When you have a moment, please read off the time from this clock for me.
7:20
